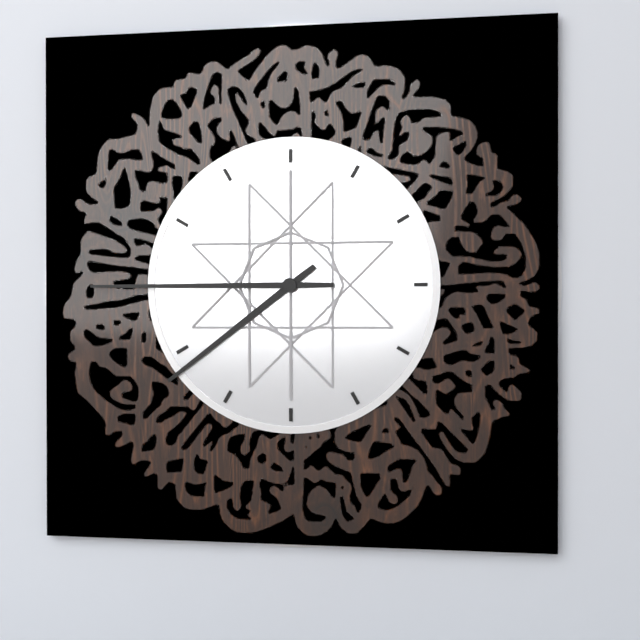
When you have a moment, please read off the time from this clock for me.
7:45
